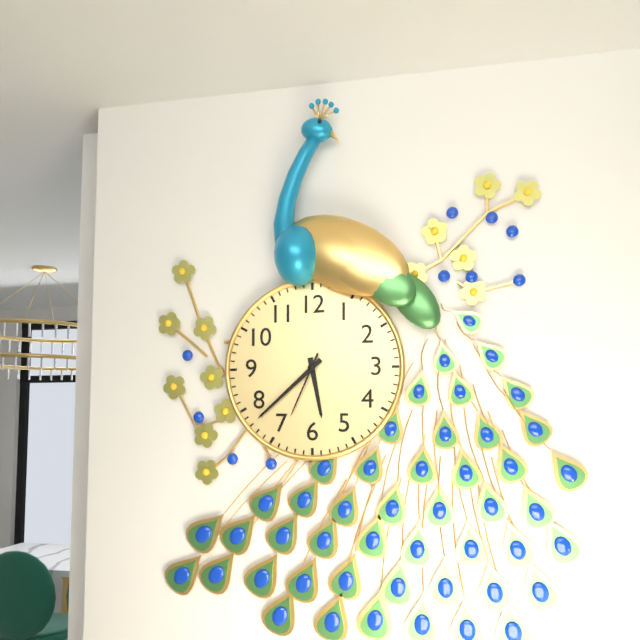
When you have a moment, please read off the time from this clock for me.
5:38:34
